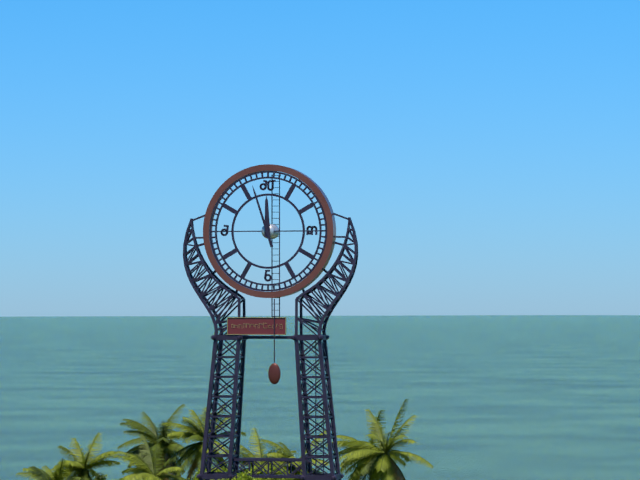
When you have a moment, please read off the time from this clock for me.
11:57
